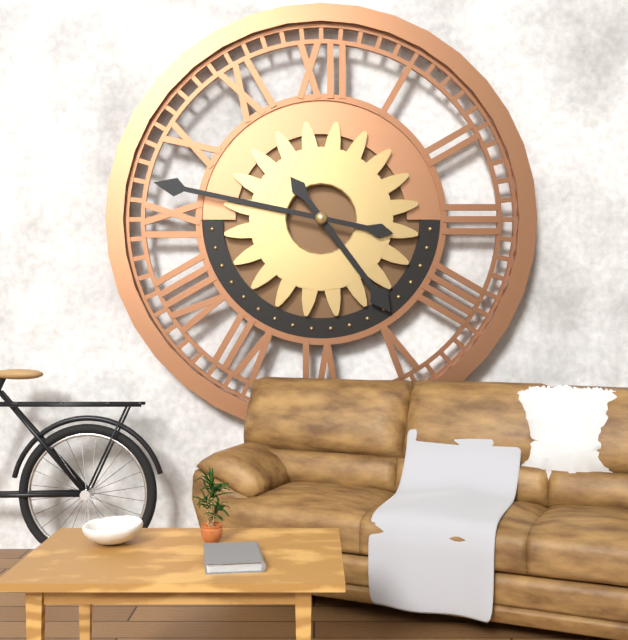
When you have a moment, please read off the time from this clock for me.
4:47
